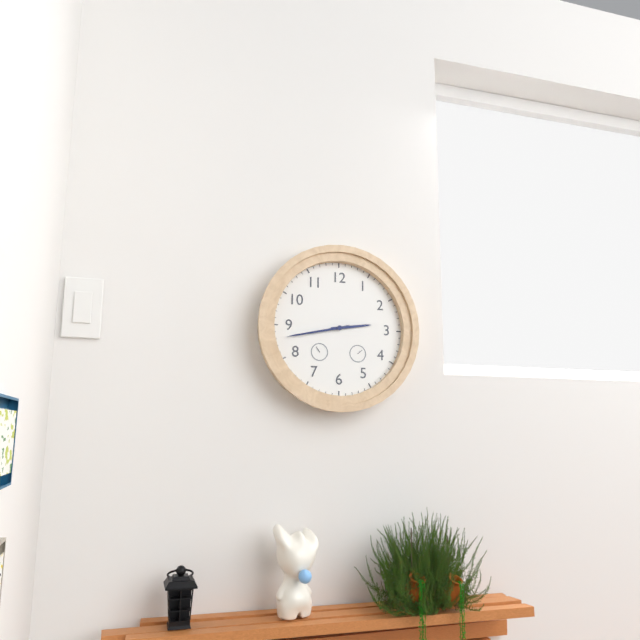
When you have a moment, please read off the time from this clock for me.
2:43
